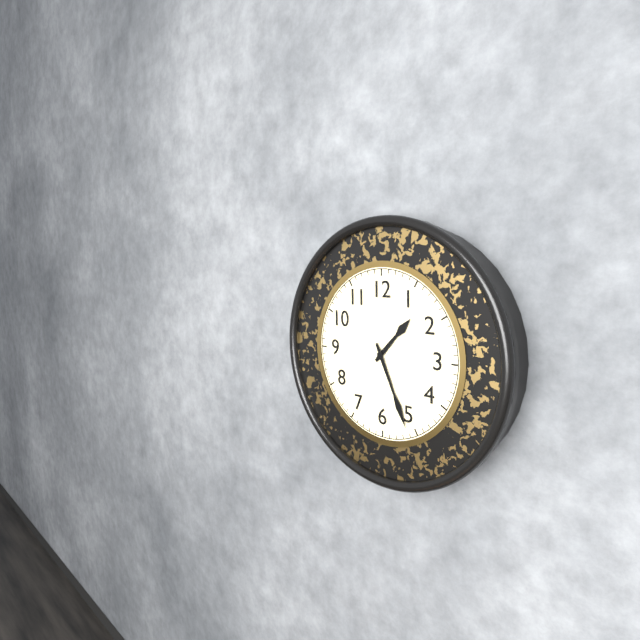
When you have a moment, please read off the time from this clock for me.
1:26
